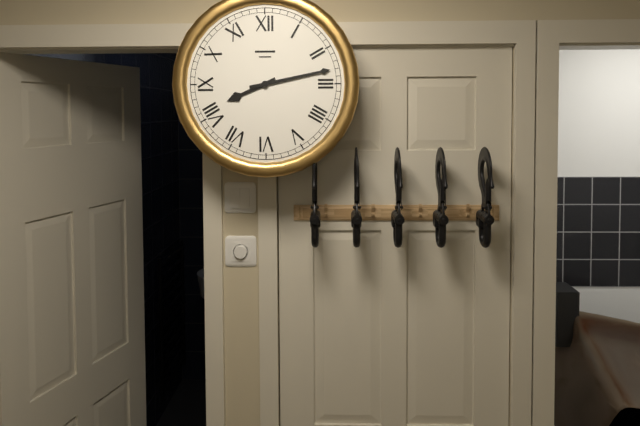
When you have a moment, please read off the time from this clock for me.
8:13
